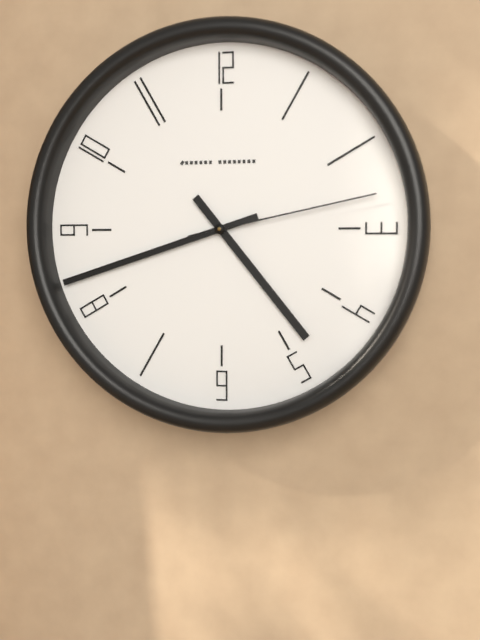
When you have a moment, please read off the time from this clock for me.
4:42:13
